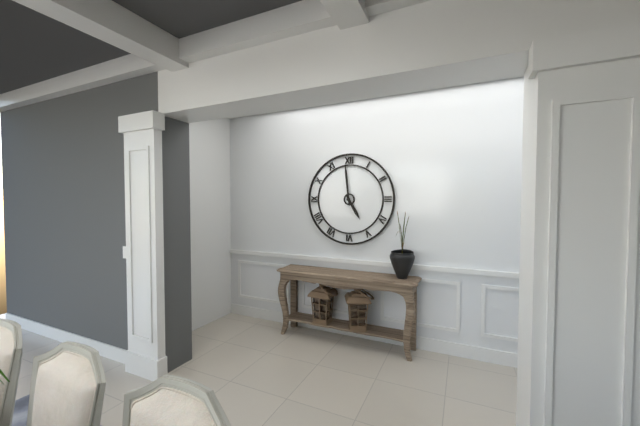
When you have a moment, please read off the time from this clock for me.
4:59
